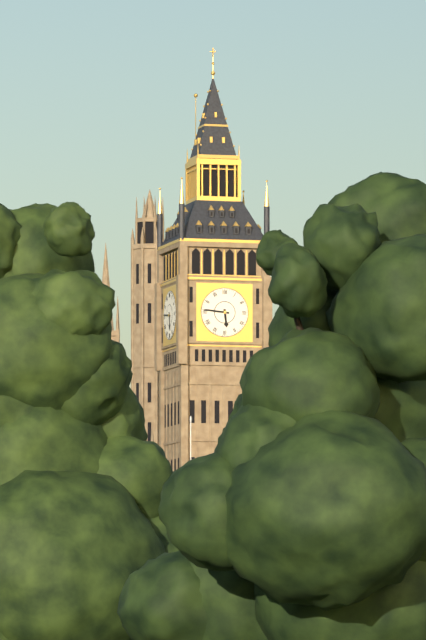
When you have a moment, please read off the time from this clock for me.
5:46
